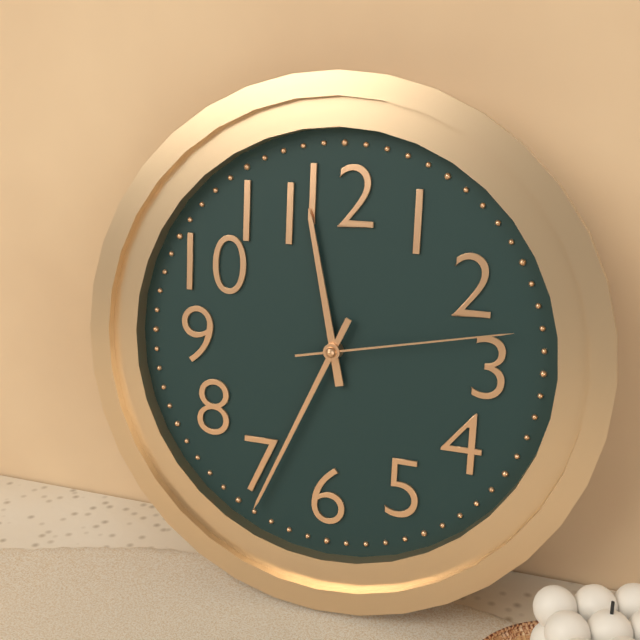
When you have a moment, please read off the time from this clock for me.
11:34:13
